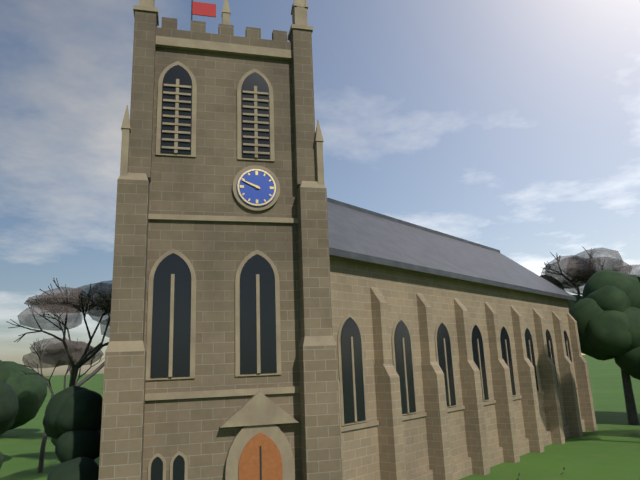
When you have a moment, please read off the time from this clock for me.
9:49
